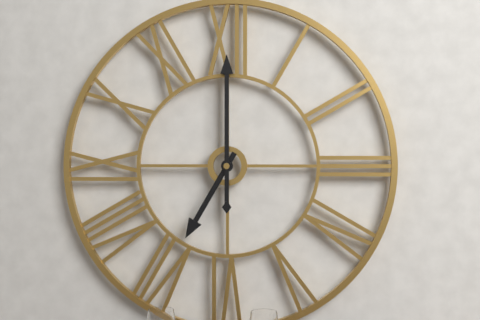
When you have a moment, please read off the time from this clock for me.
7:00
